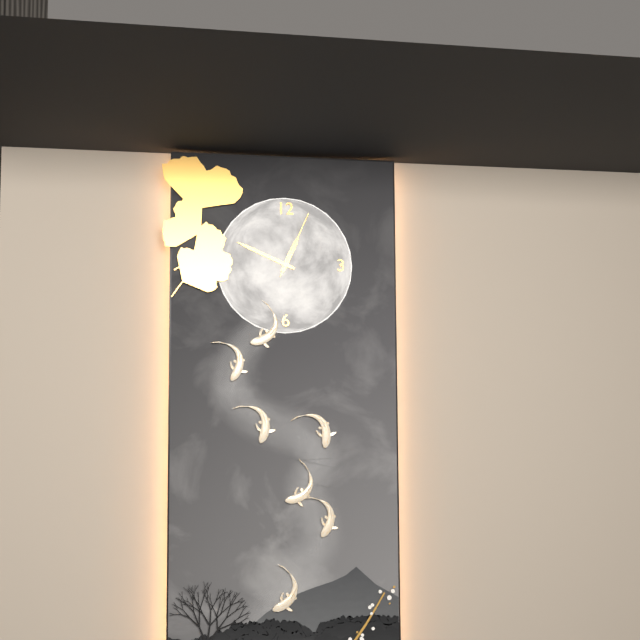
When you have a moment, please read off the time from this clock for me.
12:49:04
